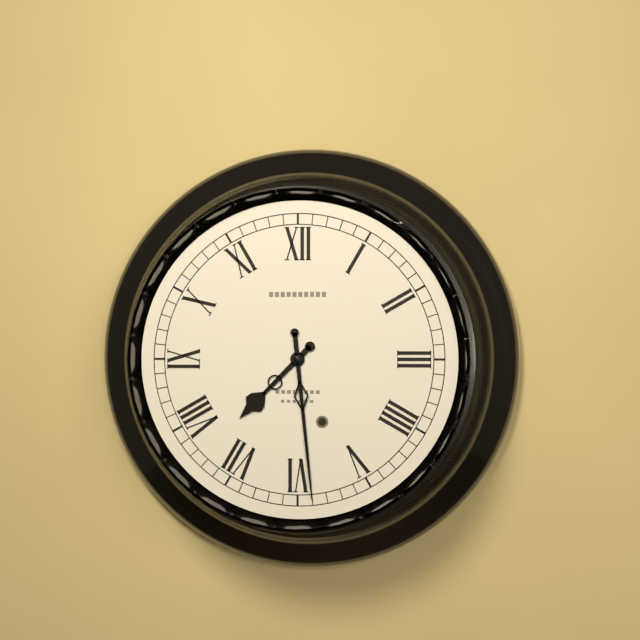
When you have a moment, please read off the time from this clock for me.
7:29
